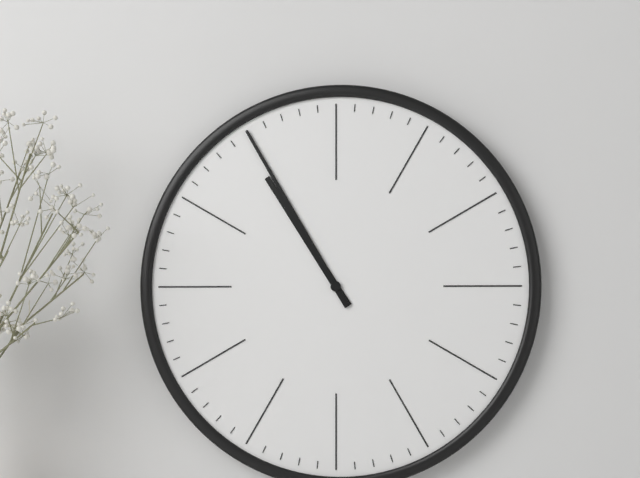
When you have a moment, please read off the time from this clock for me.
10:55
